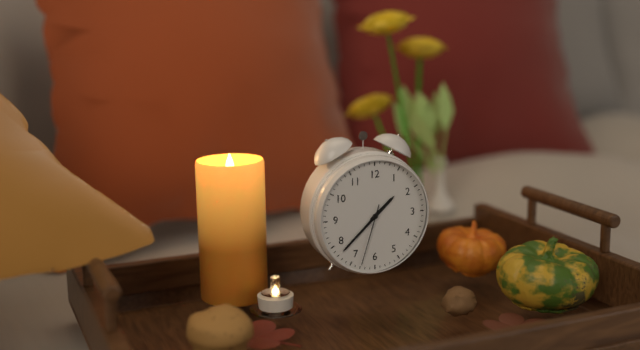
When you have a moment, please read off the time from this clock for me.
1:38:33
